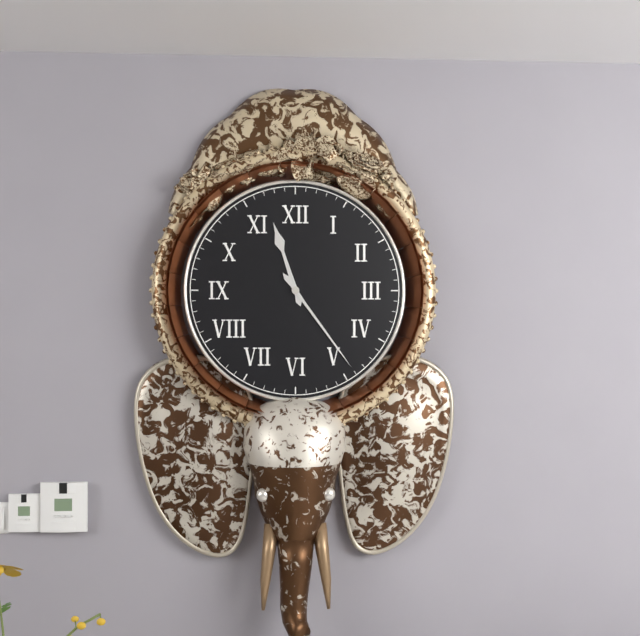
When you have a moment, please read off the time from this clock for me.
11:24
